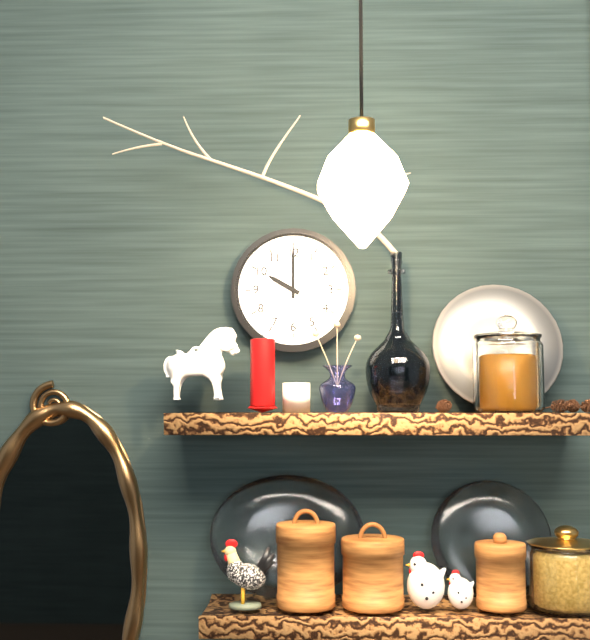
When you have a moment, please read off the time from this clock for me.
10:00
